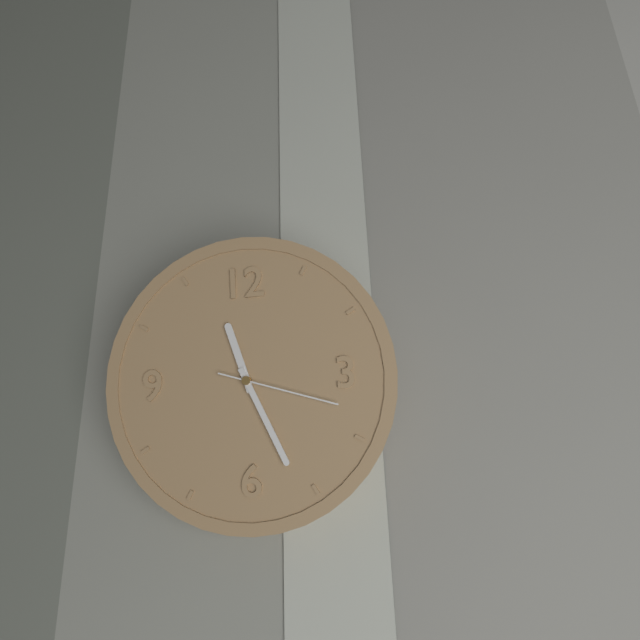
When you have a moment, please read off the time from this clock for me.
11:26:18
